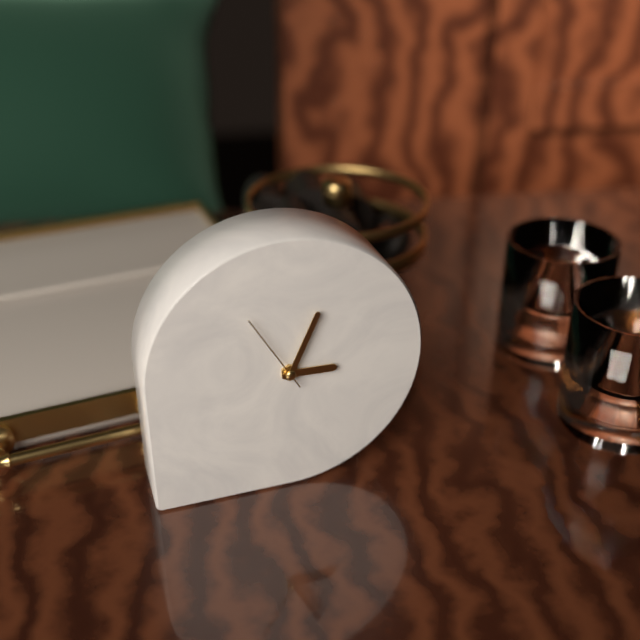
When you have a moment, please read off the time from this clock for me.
3:04:55
